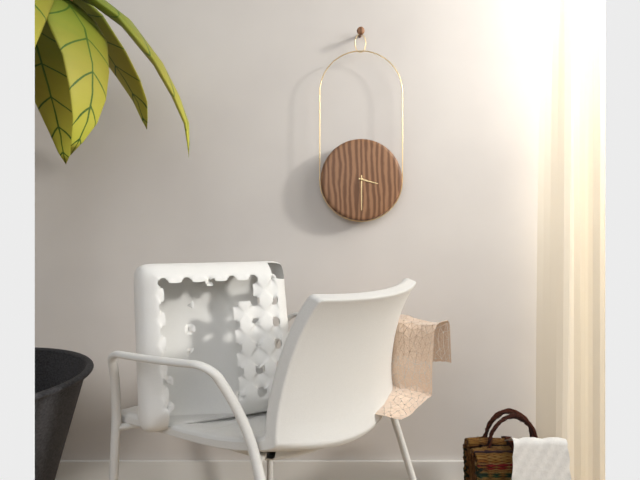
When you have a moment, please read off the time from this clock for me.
3:30
